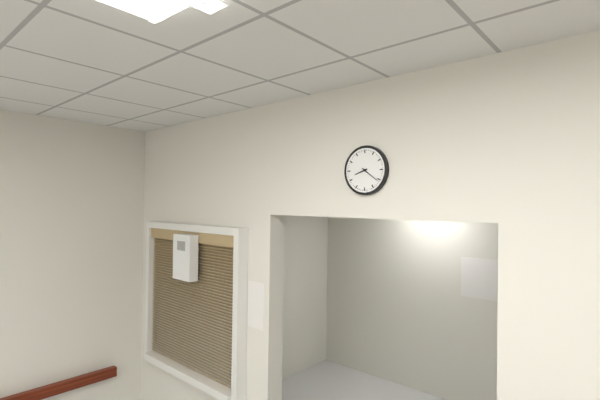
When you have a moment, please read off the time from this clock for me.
8:21
